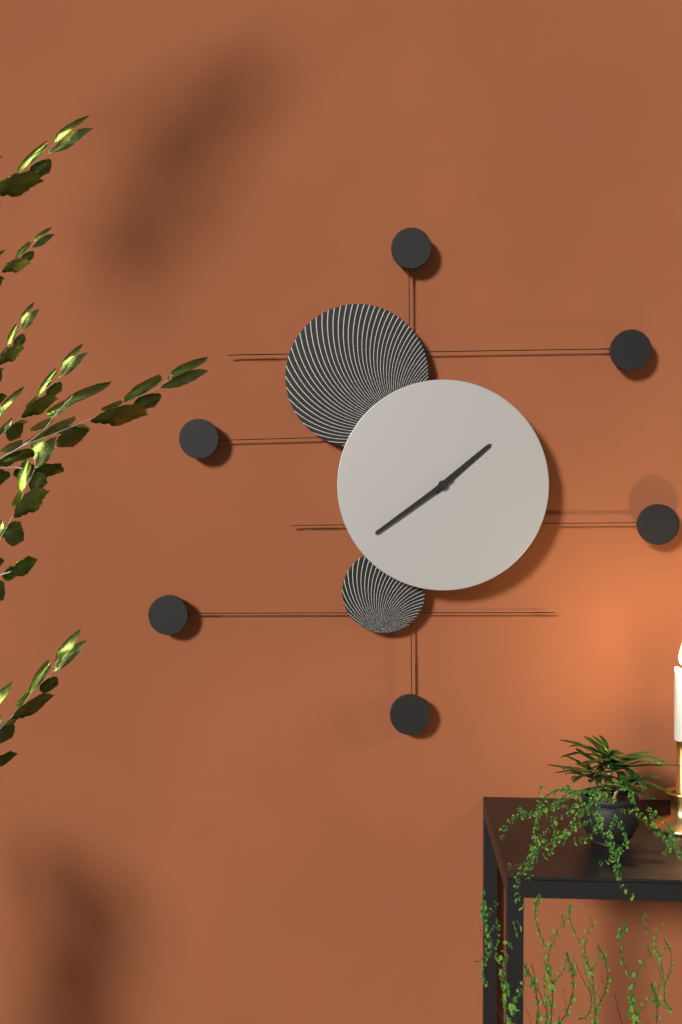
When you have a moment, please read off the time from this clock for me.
1:39
